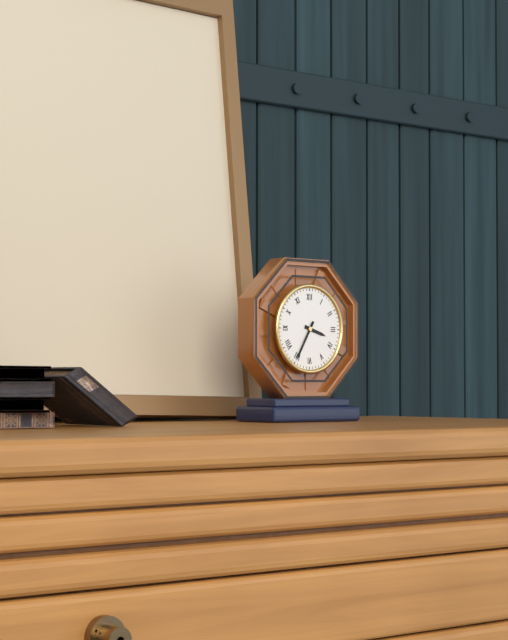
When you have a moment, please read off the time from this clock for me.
3:35
